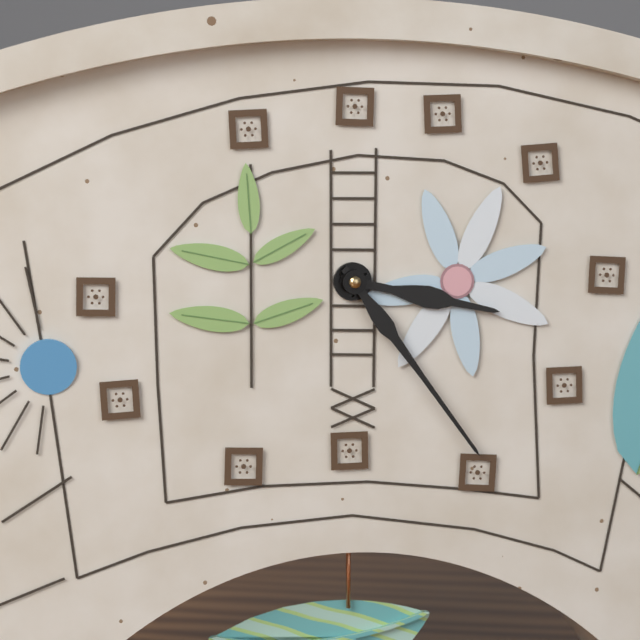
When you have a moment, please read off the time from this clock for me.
3:24
